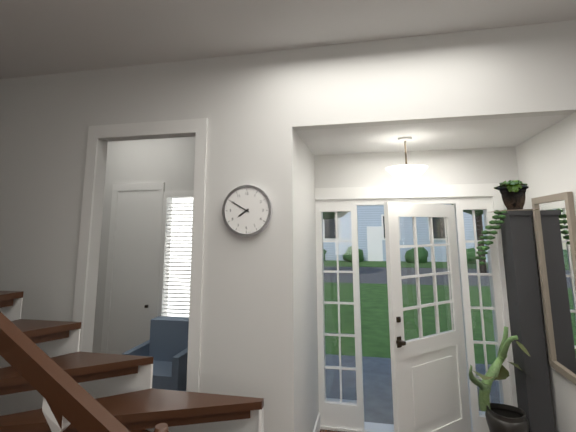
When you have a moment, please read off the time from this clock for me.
7:50
